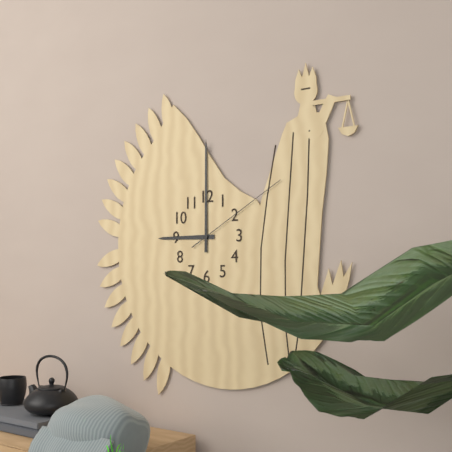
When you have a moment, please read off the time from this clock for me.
9:00:10
